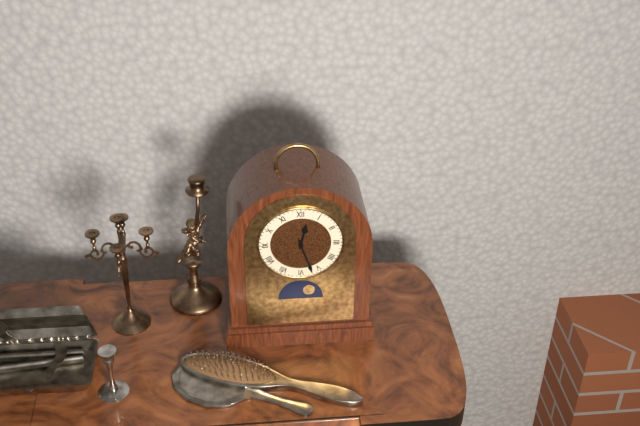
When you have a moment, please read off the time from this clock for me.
12:27
